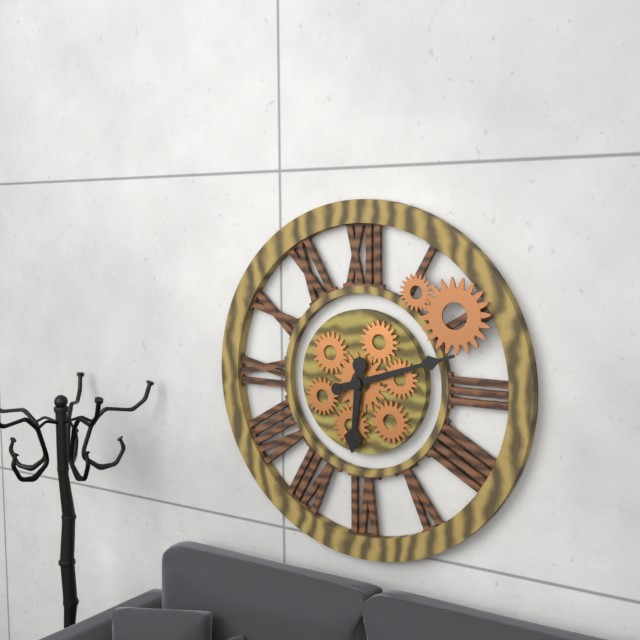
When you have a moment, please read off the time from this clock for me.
6:12
